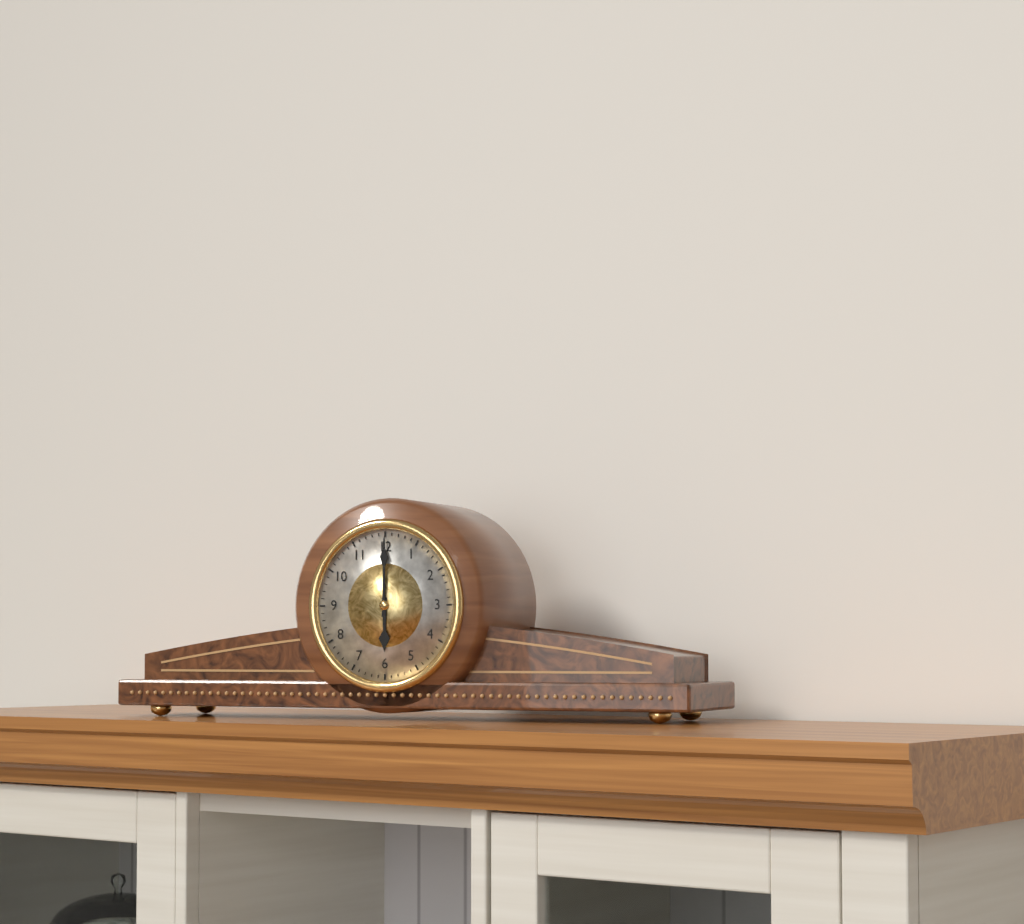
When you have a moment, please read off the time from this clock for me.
6:00
